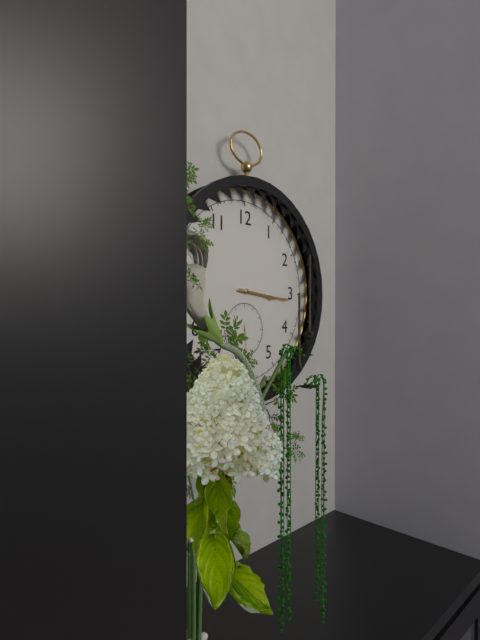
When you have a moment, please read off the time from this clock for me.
3:16
